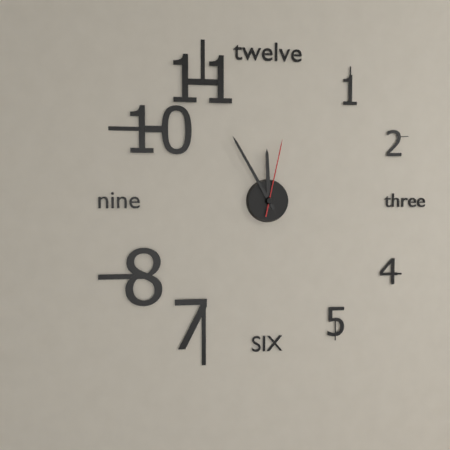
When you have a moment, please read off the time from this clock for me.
11:55:02
